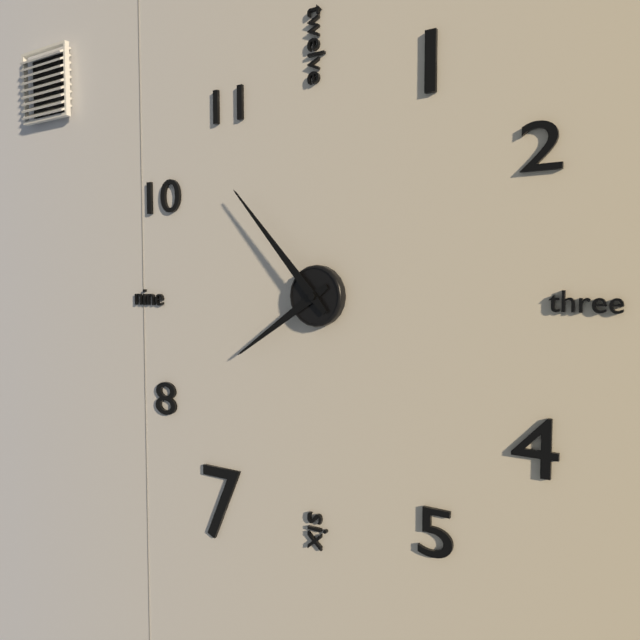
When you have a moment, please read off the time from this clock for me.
7:53
